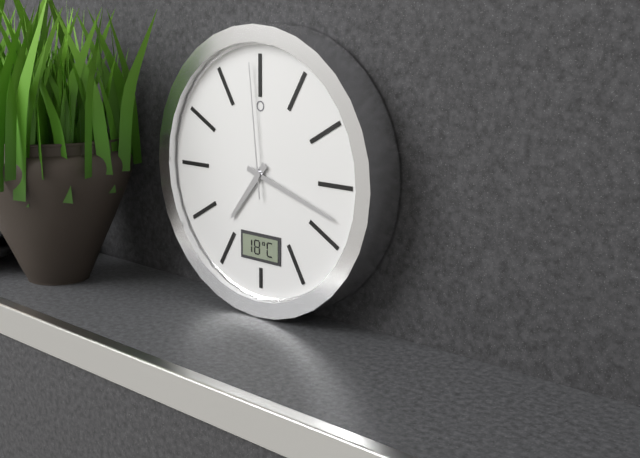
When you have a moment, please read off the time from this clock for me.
7:18:59
